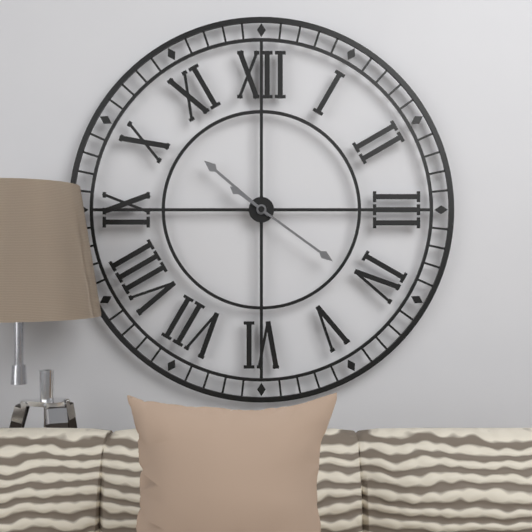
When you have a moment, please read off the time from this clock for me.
10:21
